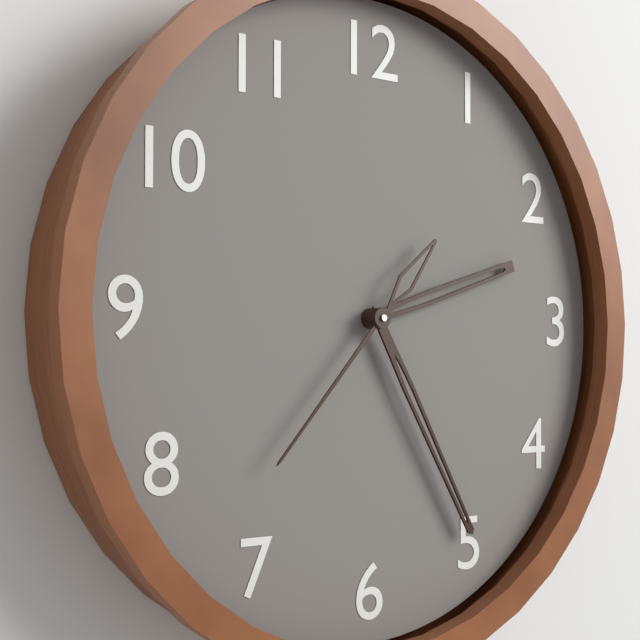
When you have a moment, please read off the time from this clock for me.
2:25:37
